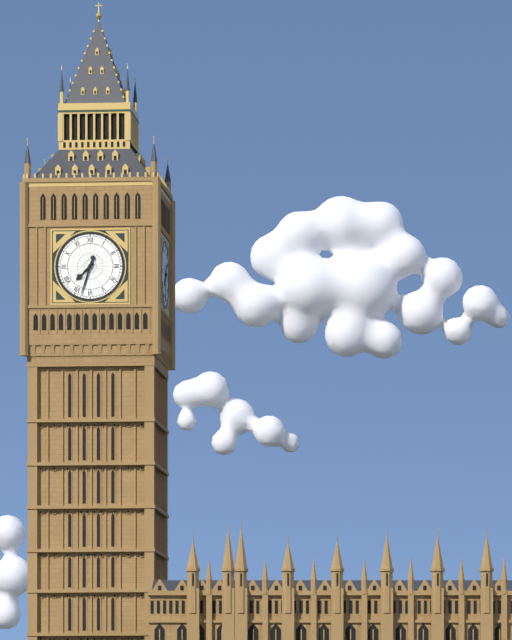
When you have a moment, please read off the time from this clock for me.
7:33
